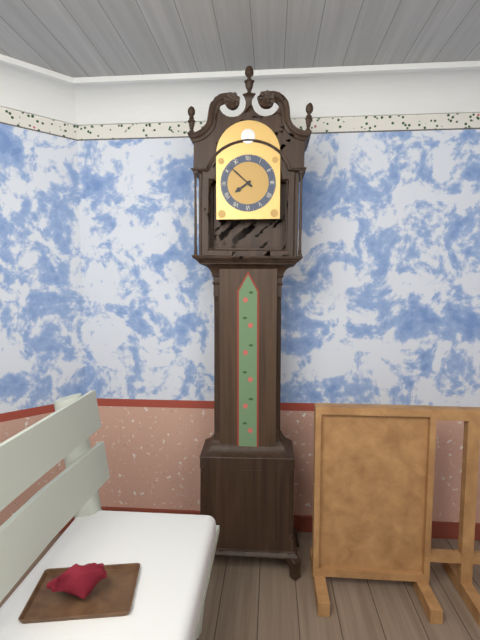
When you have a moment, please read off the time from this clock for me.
7:52
